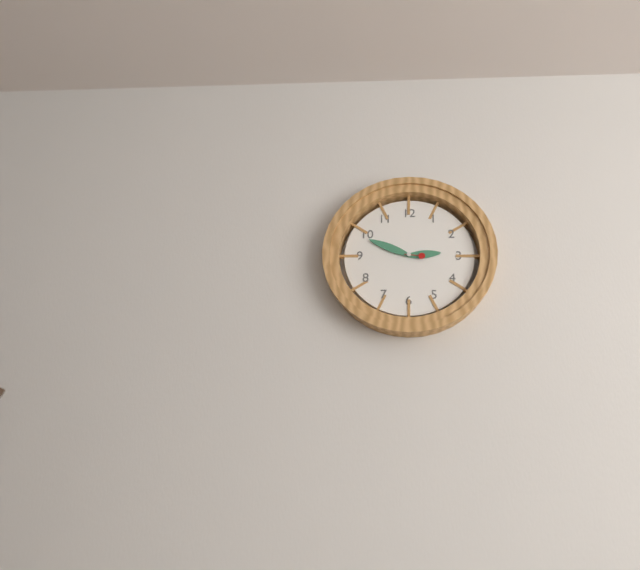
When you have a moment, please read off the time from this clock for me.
2:49
